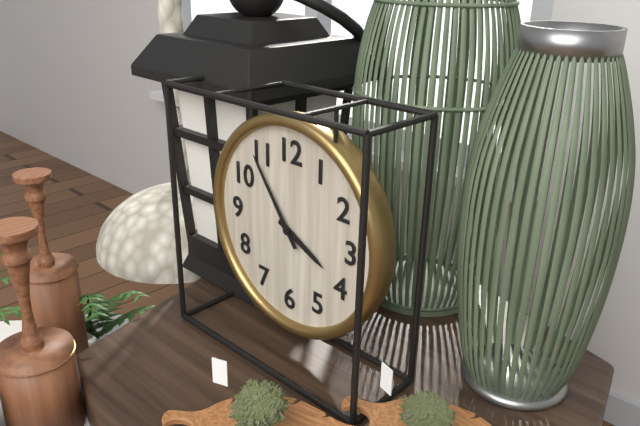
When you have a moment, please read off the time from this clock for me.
3:54
